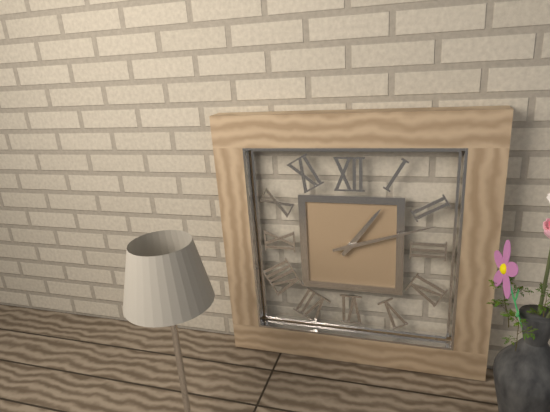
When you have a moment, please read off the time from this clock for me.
1:12
